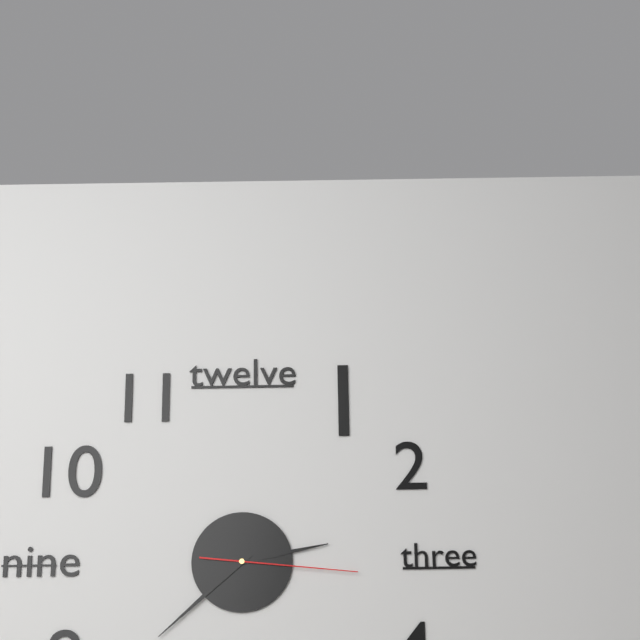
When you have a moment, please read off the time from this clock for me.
2:38:16
